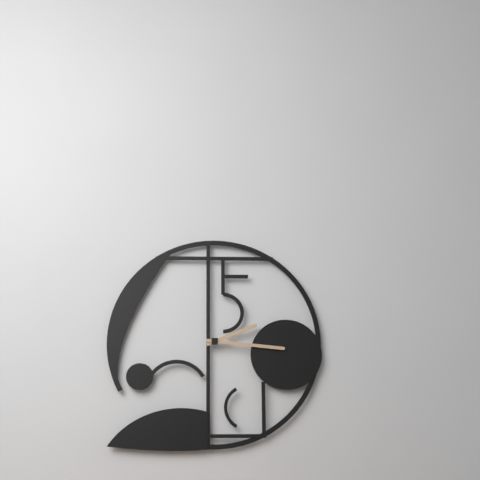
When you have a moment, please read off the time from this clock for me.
2:16
